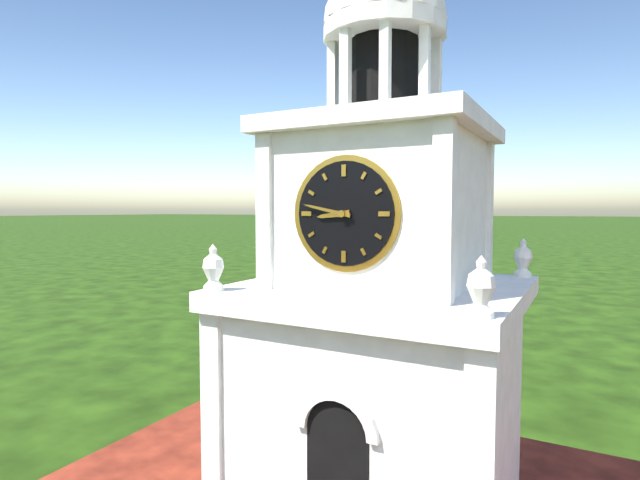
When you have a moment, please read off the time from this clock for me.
8:47
